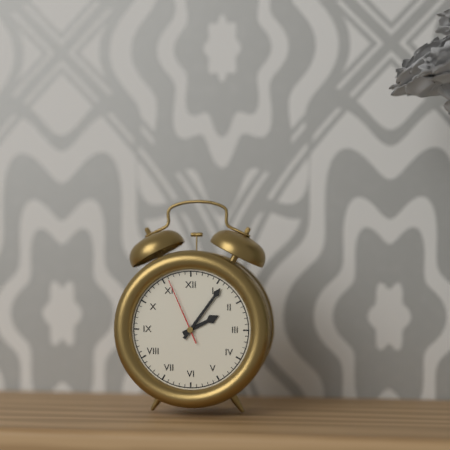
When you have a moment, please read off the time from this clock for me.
2:06:56
